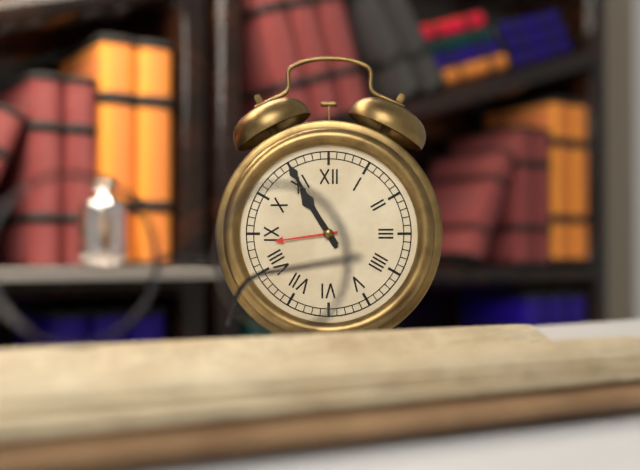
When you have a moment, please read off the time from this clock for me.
10:55
